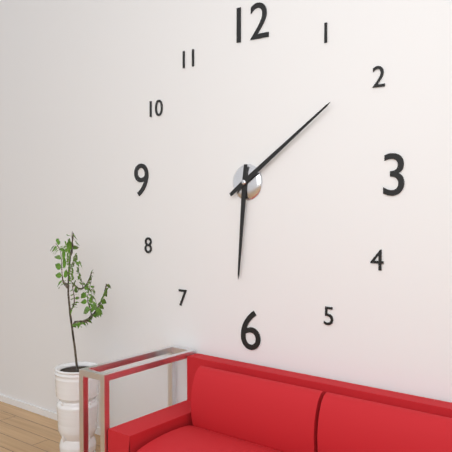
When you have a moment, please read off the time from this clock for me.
6:09
